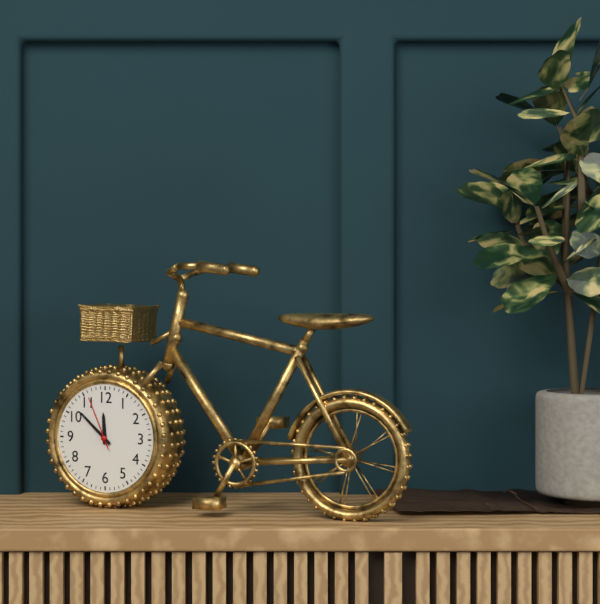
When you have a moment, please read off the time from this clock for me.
11:52:56
